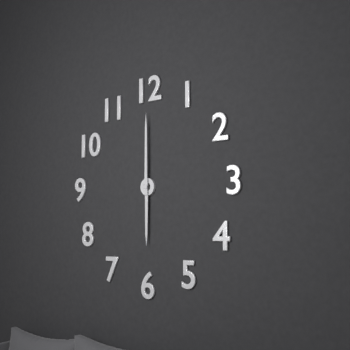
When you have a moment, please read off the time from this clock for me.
6:00
